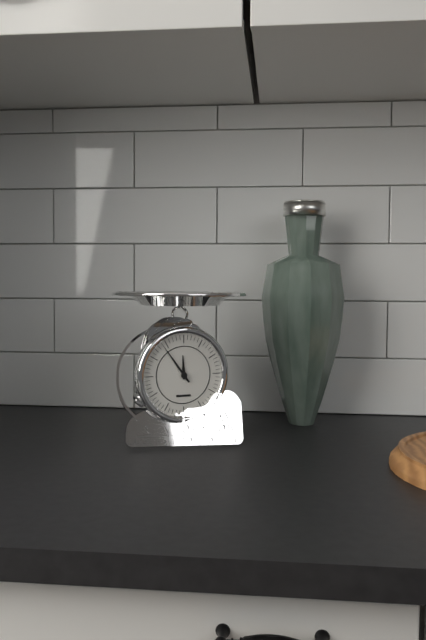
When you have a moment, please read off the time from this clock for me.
11:54
